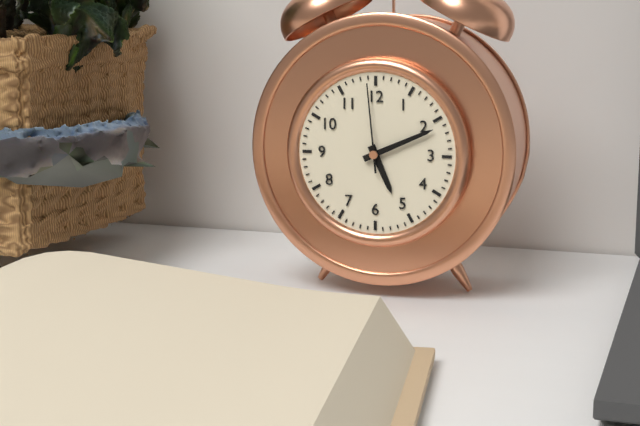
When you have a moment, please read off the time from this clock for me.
5:11:59
